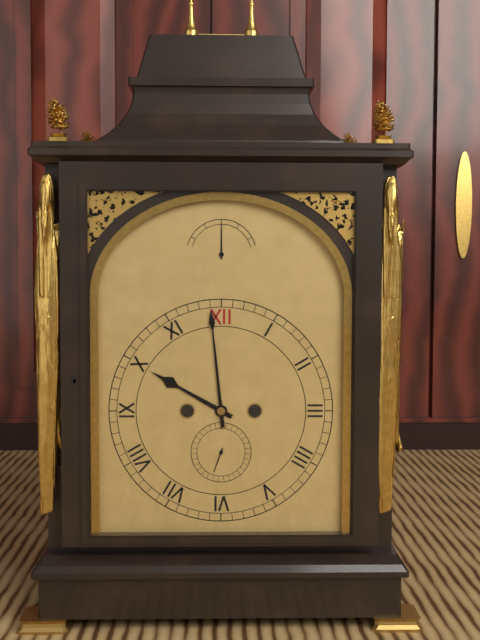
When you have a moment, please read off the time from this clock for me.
9:59
